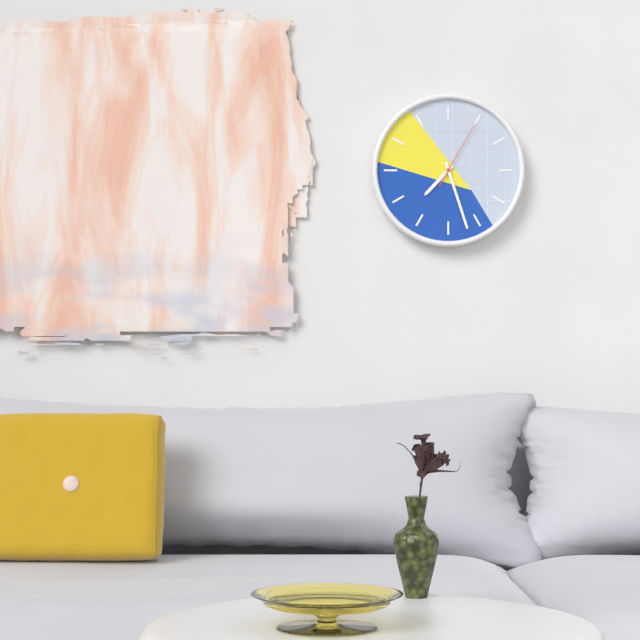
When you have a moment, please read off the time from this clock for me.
7:27:05
